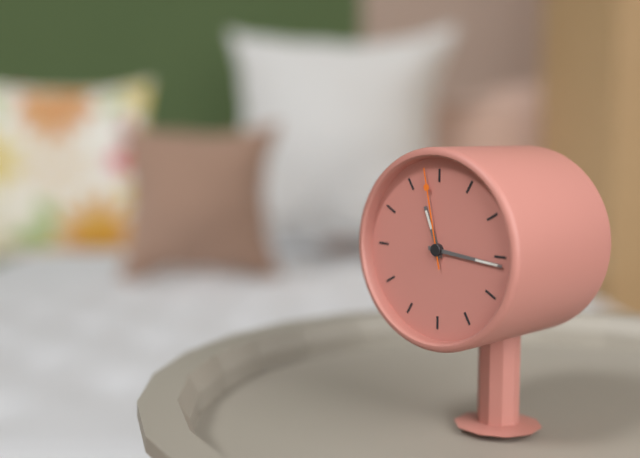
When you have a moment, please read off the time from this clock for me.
11:16:58
